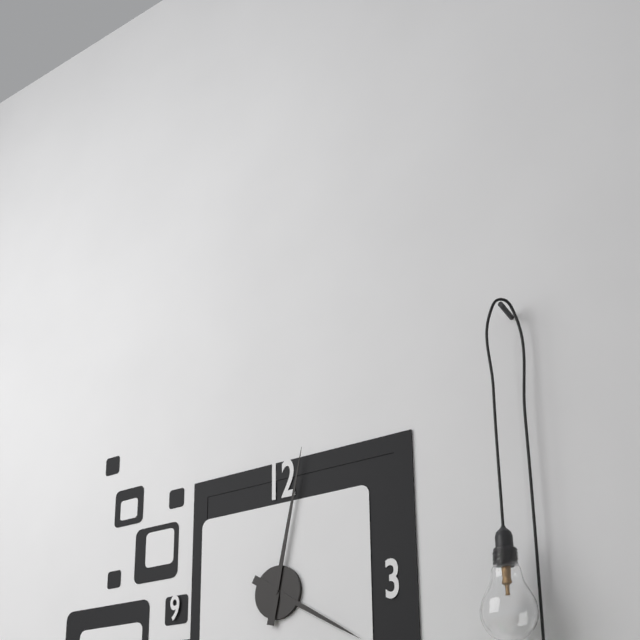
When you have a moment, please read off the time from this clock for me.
4:02
